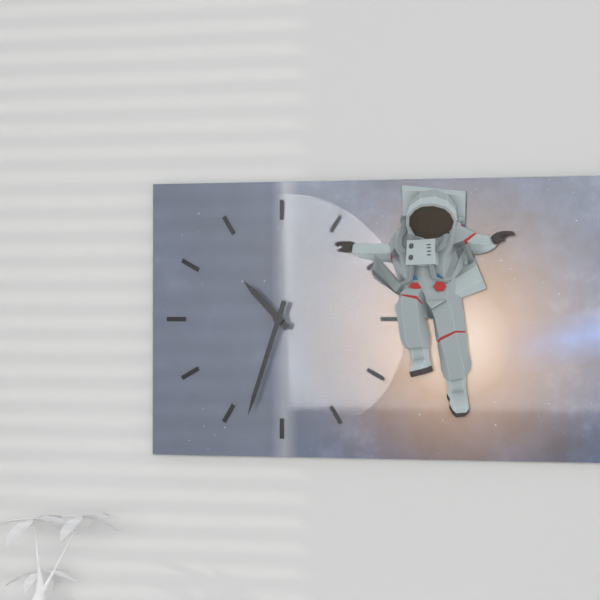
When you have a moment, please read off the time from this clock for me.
10:33
